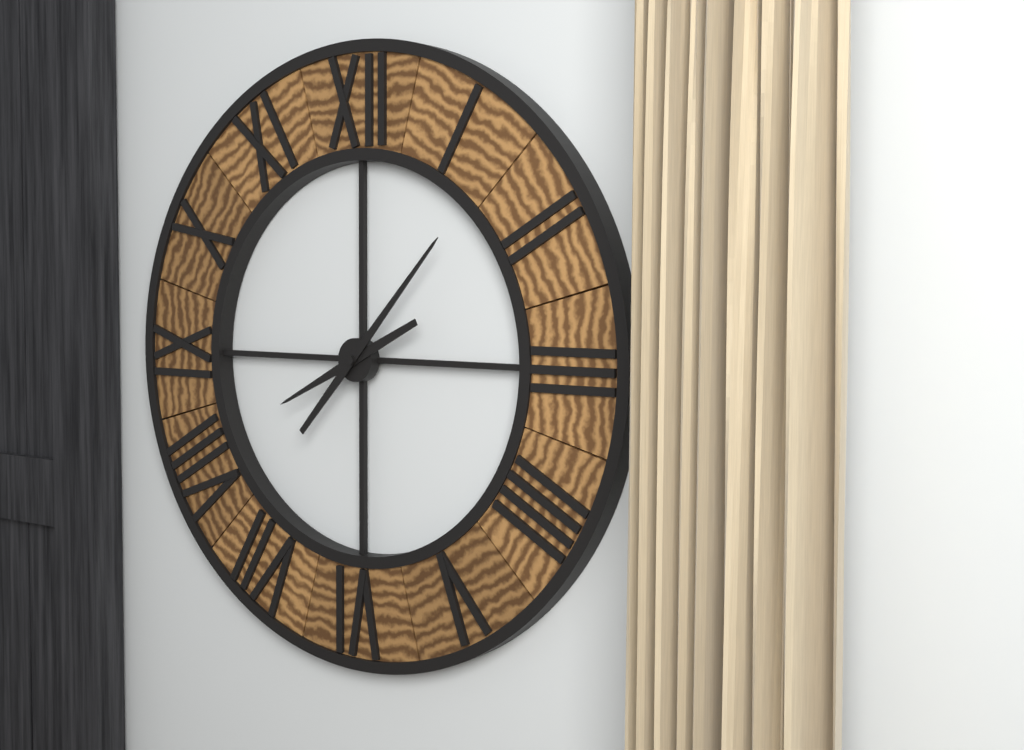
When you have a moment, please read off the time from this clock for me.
8:07
